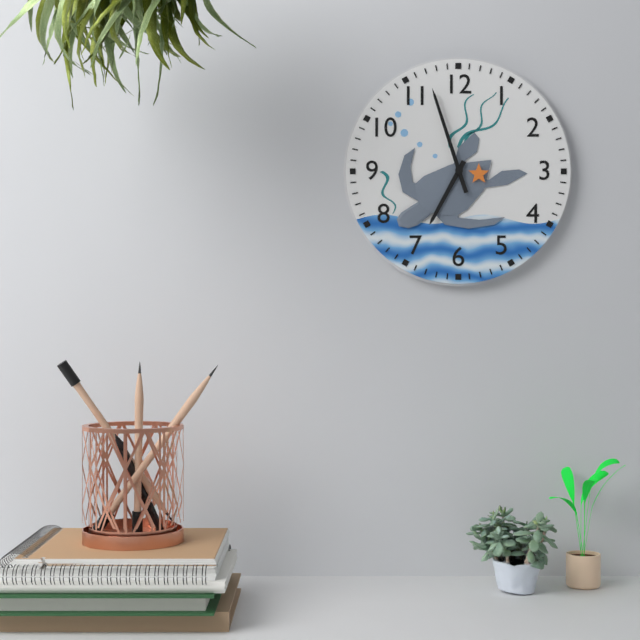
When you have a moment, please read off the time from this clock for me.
6:57
